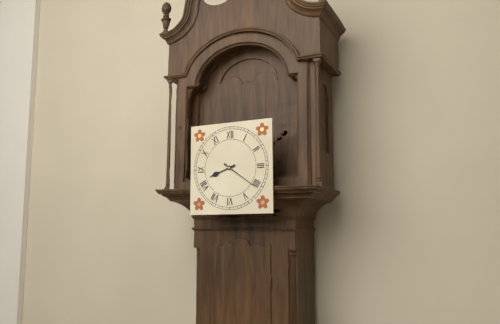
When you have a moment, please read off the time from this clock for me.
8:21
